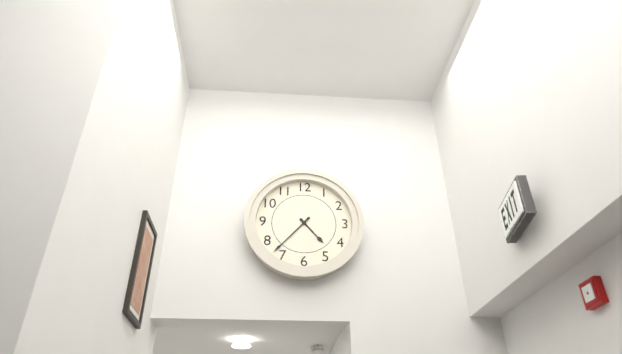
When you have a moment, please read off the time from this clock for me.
4:37
